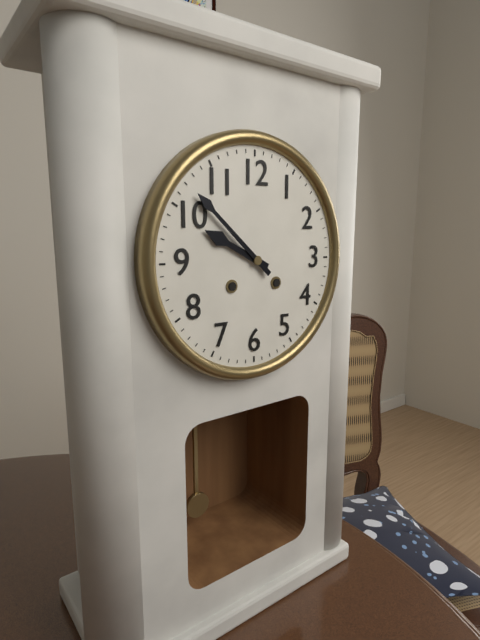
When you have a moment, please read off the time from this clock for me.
9:52
